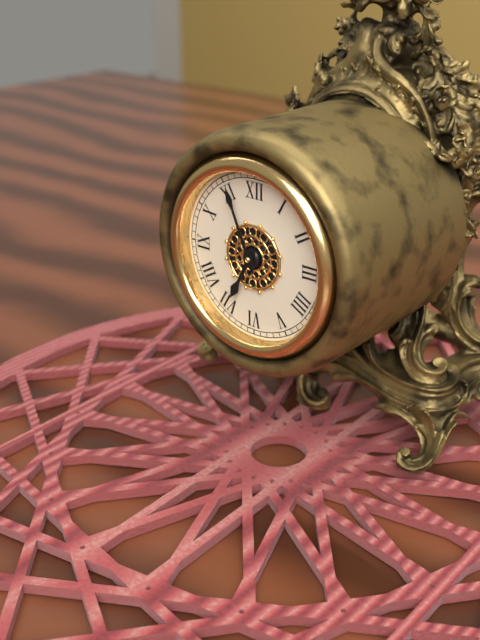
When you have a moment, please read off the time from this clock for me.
6:56
